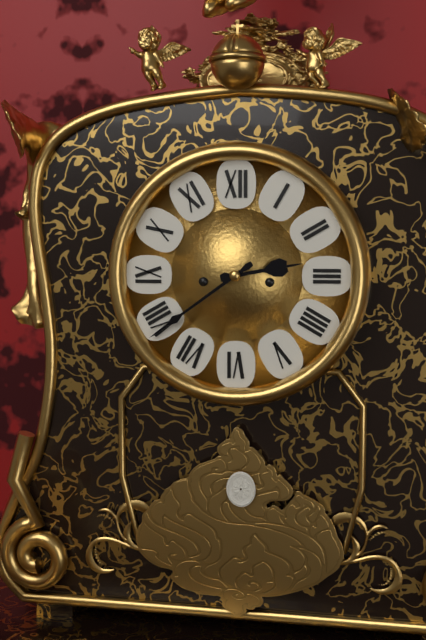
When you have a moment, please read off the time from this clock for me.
2:39
